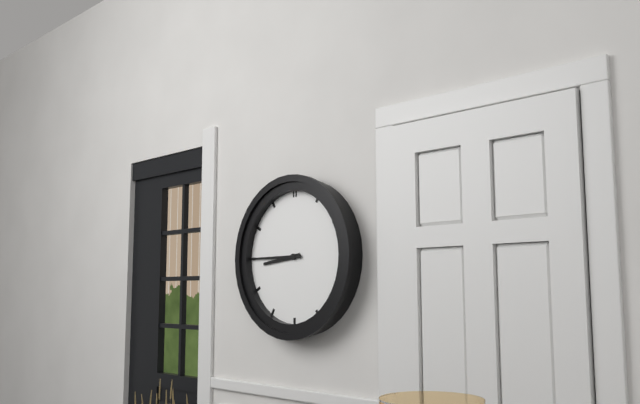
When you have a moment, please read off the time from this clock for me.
8:45
